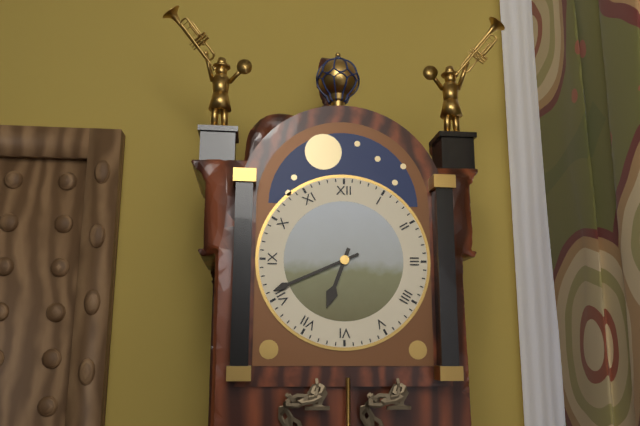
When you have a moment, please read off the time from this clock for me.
6:41
